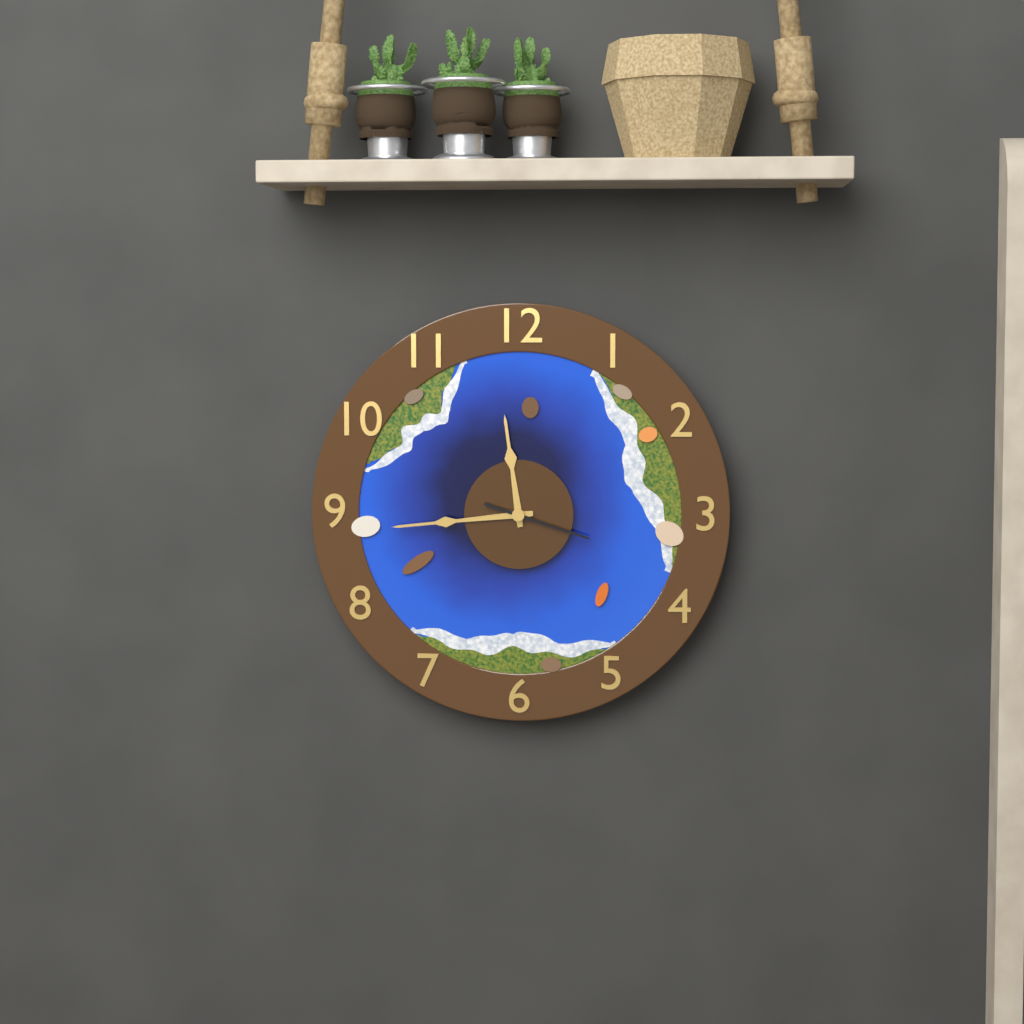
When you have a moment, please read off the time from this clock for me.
11:44:18
